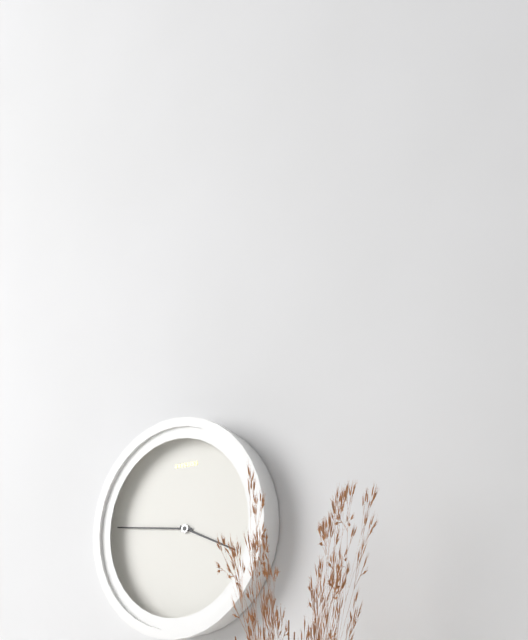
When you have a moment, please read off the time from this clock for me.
3:46
